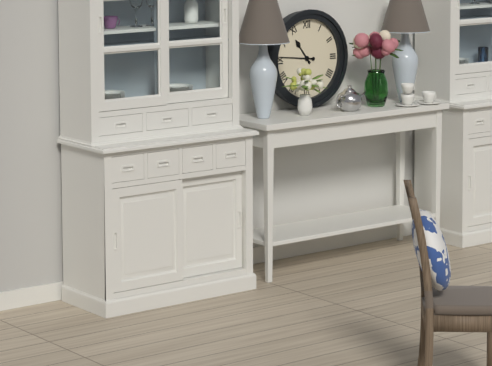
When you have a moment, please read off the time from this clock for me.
10:46
